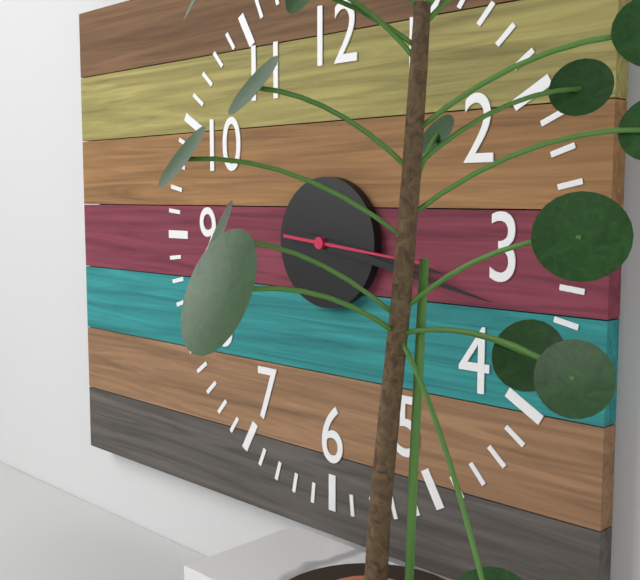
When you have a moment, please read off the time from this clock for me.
3:17:16
